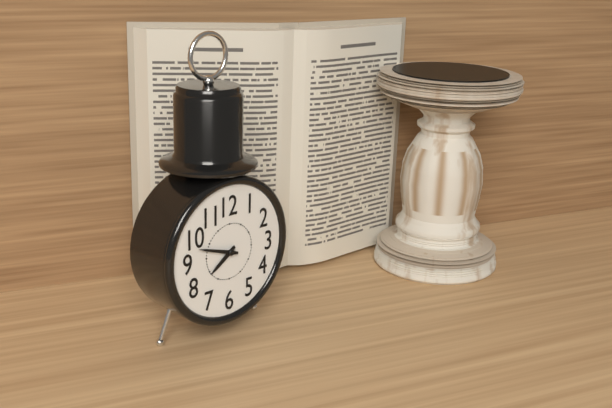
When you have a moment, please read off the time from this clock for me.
7:48
